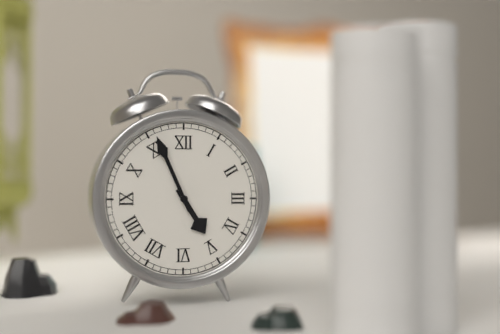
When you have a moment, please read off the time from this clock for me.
4:56
